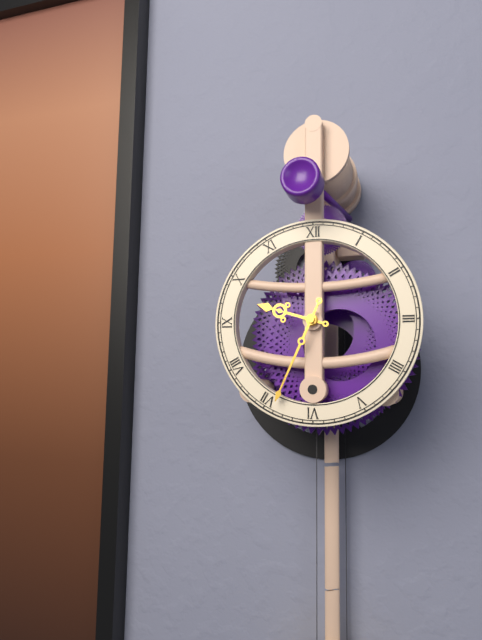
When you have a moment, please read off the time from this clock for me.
9:34
